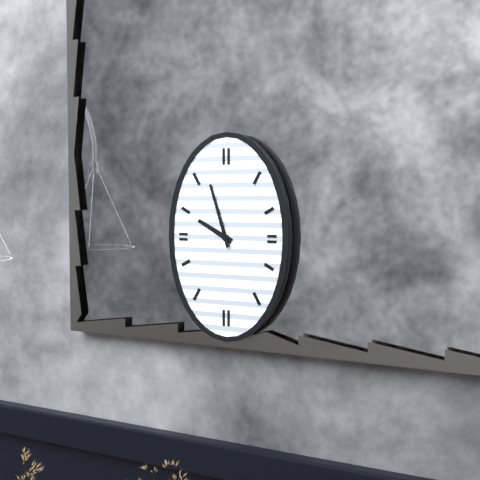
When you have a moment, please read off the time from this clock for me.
9:57
